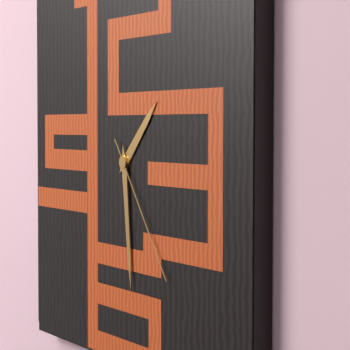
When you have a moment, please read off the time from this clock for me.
1:29:24
